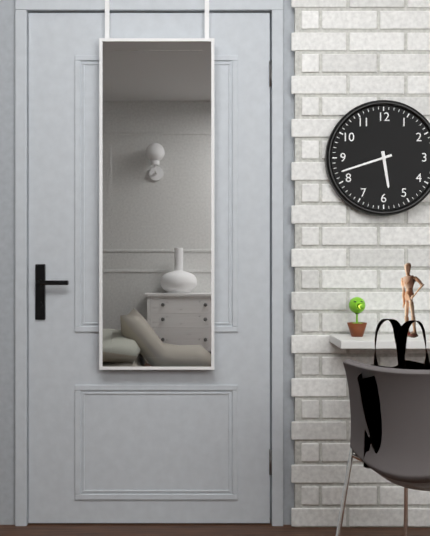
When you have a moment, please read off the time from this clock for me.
5:42
